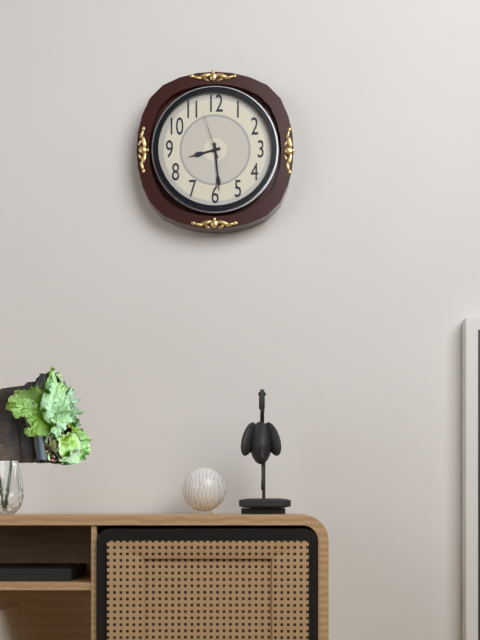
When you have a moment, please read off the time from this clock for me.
8:29:57
